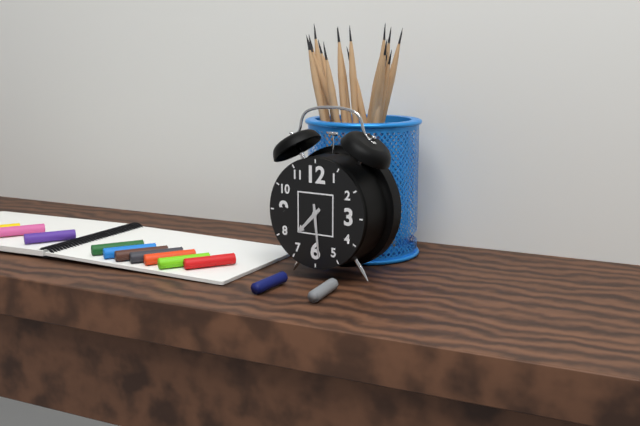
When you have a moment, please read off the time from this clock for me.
7:29
